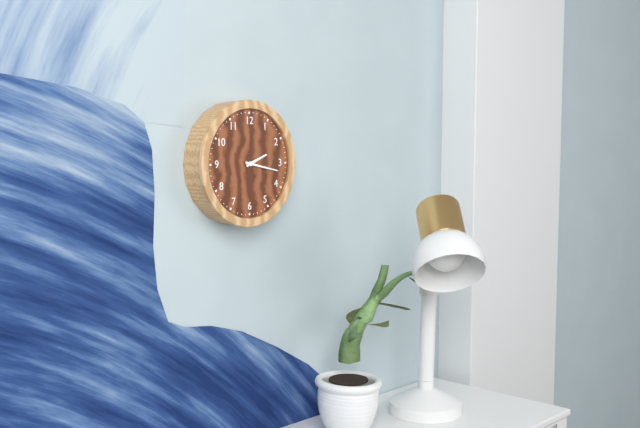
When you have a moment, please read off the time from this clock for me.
2:17
